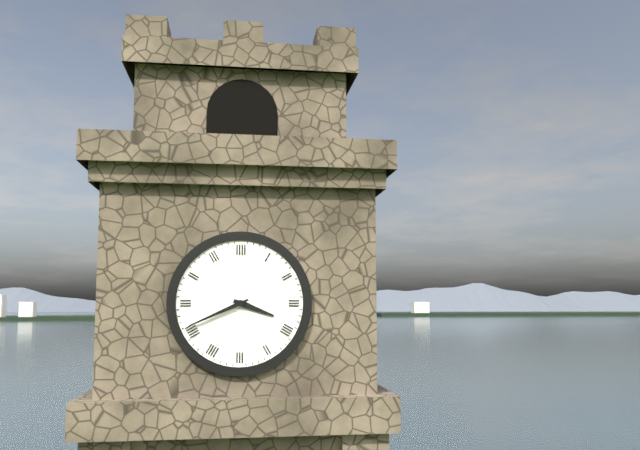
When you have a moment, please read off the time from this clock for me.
3:41
